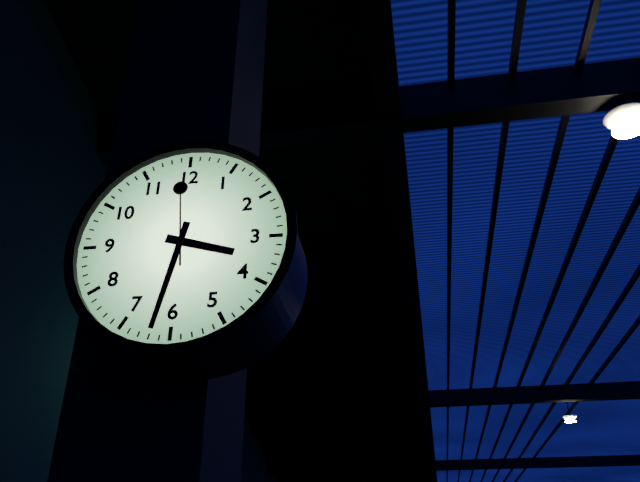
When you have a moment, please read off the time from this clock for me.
3:32:59
